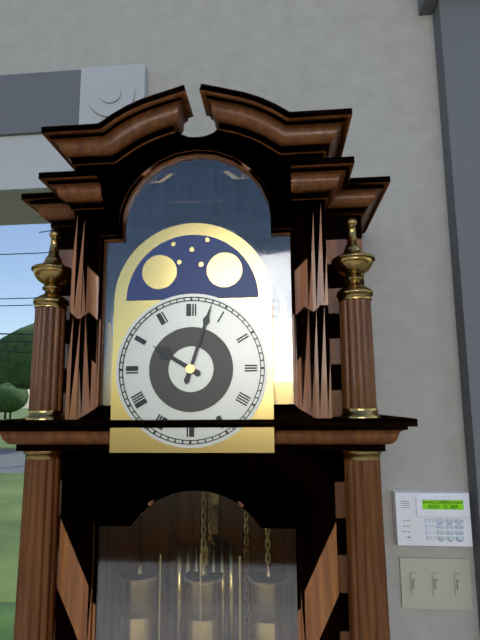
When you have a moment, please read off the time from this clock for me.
10:03
